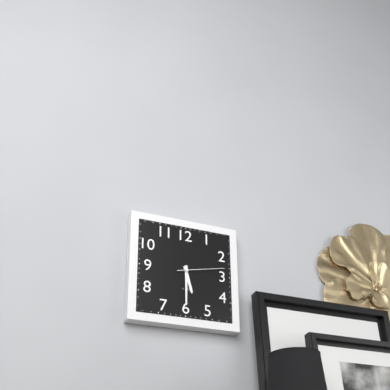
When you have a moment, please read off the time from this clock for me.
5:30
